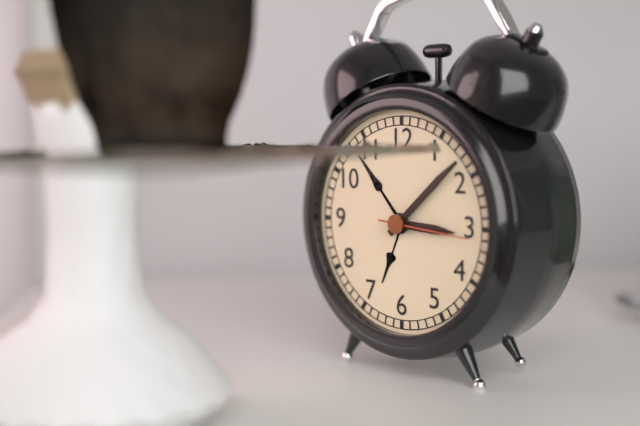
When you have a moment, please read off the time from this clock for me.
3:08:16
